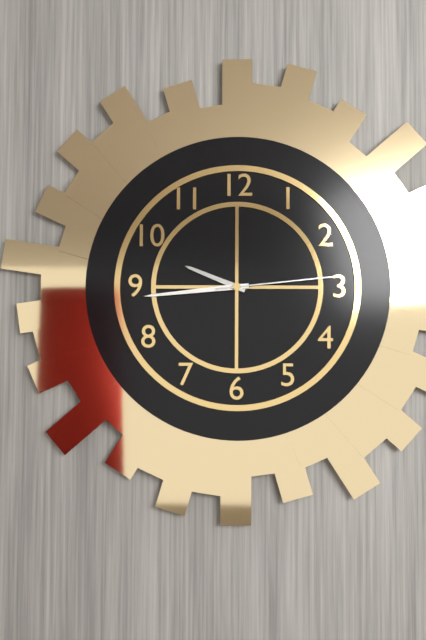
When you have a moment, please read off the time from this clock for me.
9:44:14
